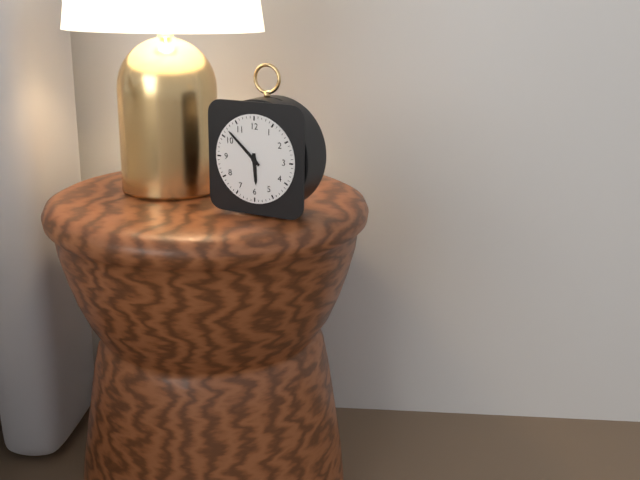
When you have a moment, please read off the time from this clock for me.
5:52
